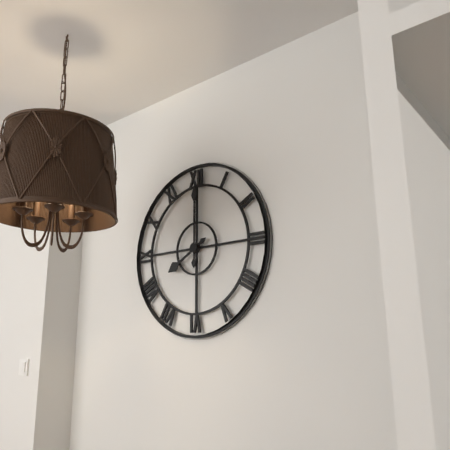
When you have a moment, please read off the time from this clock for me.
8:00
